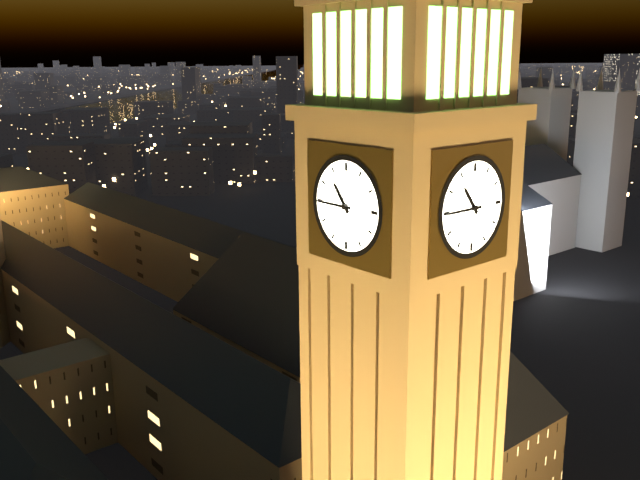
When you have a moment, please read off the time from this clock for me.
10:45
